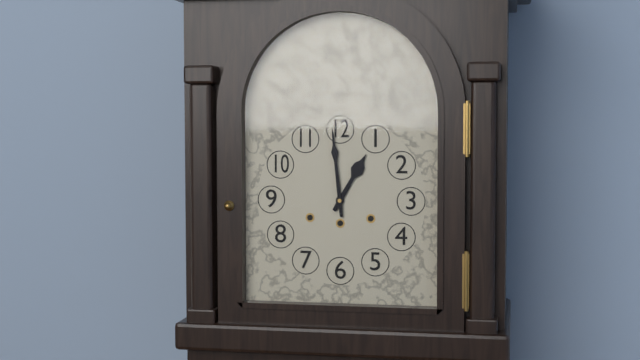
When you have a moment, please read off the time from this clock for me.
12:59
